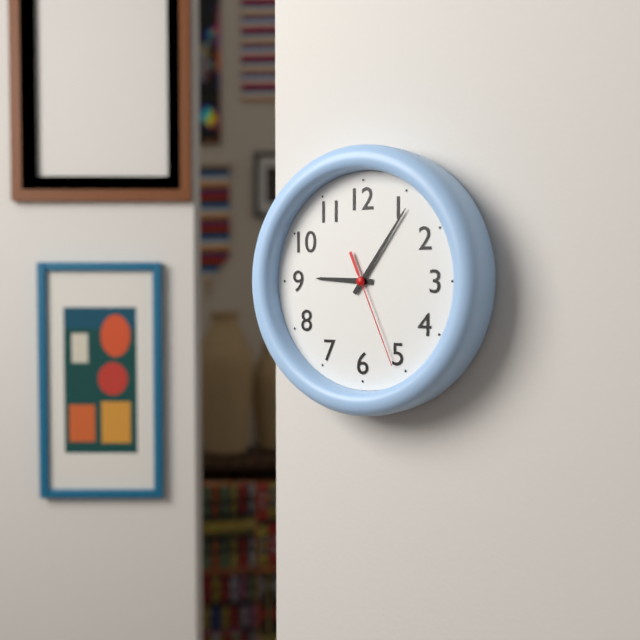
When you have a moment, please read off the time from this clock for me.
9:06:26
